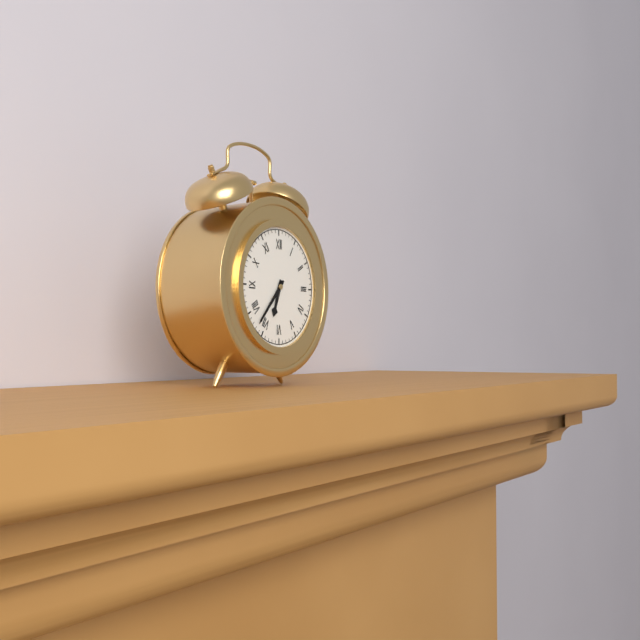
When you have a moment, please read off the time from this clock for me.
6:37
